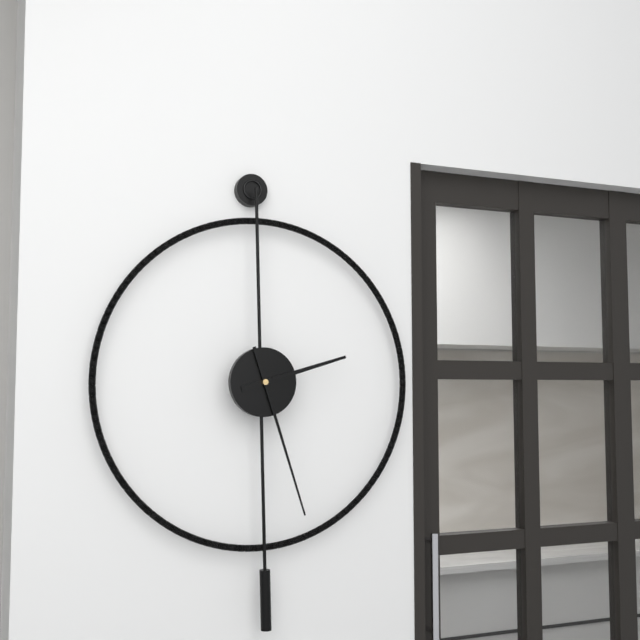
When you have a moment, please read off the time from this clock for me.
2:27
